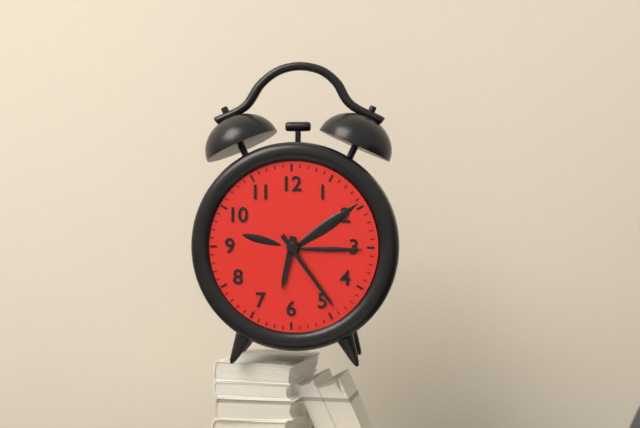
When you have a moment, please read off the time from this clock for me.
6:24
